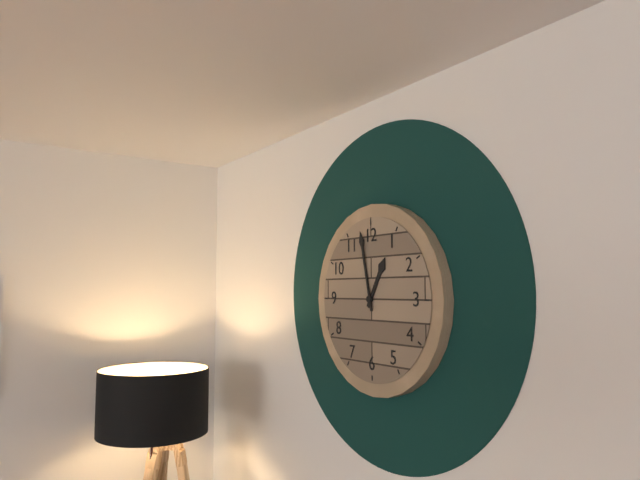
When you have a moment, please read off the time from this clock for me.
12:58
